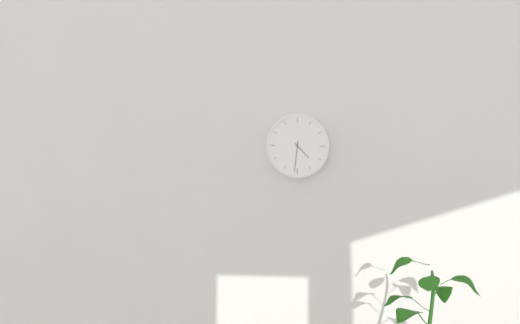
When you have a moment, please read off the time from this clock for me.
4:31
